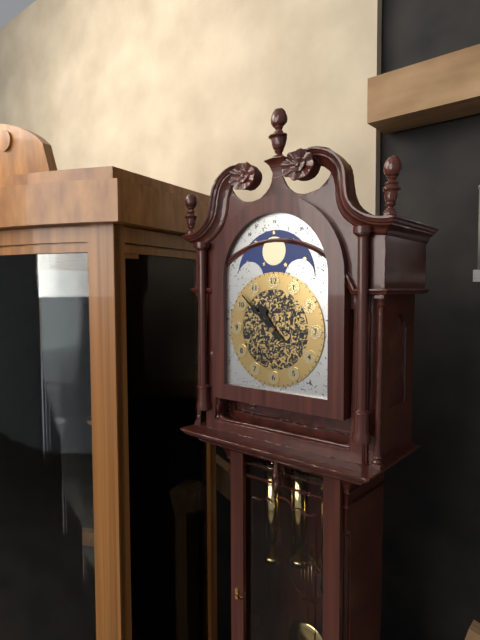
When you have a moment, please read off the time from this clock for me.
10:52
